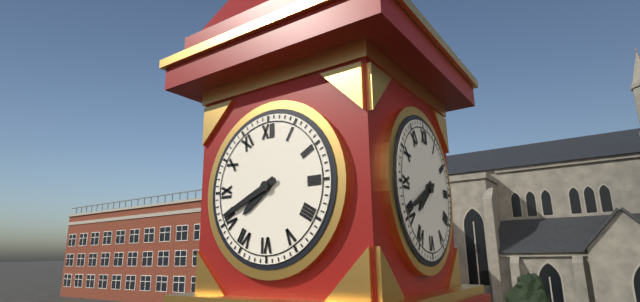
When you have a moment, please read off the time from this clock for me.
7:41
